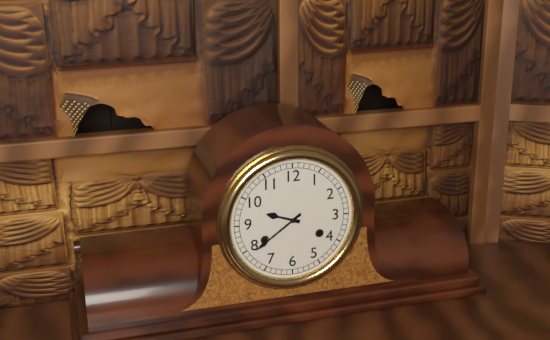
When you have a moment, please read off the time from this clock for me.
9:39
